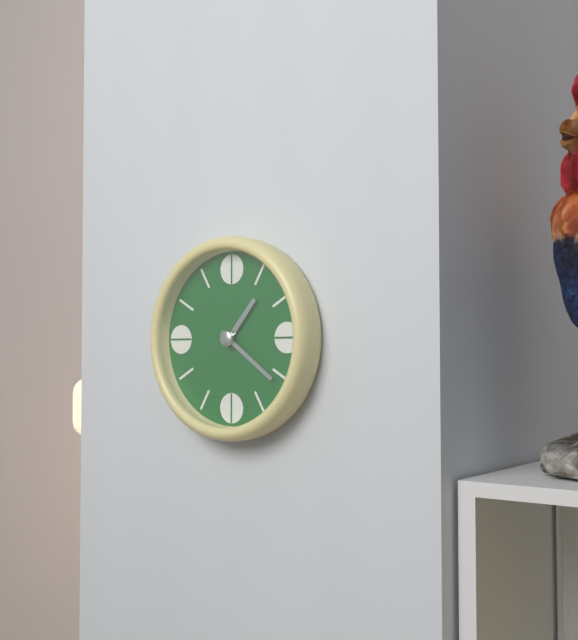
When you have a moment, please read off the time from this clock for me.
1:21
